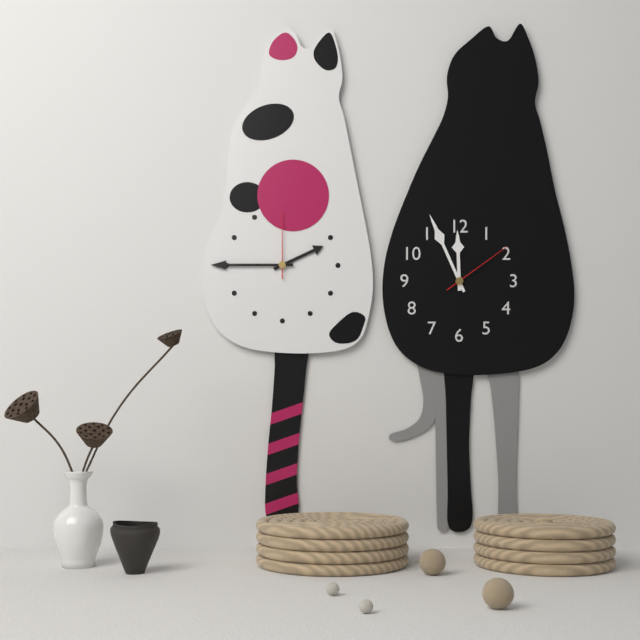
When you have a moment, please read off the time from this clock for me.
11:56:09
